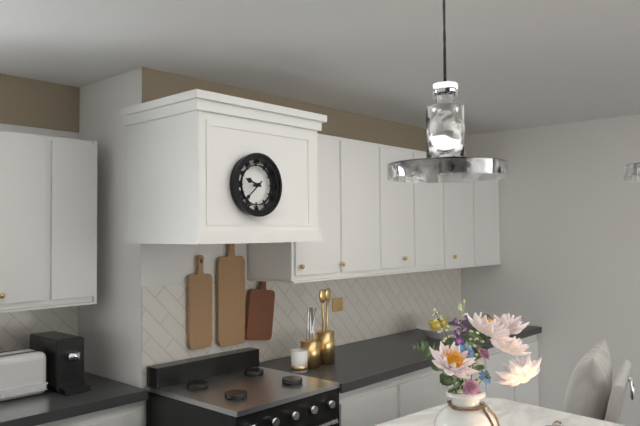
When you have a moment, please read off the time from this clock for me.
9:38
